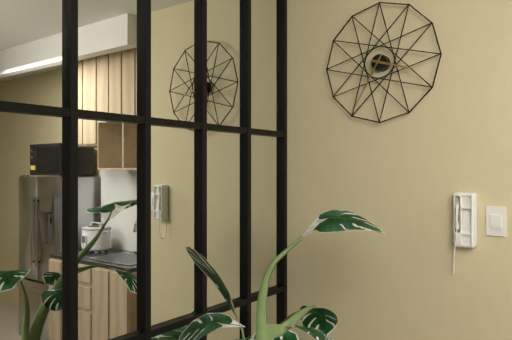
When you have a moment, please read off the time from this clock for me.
3:35
